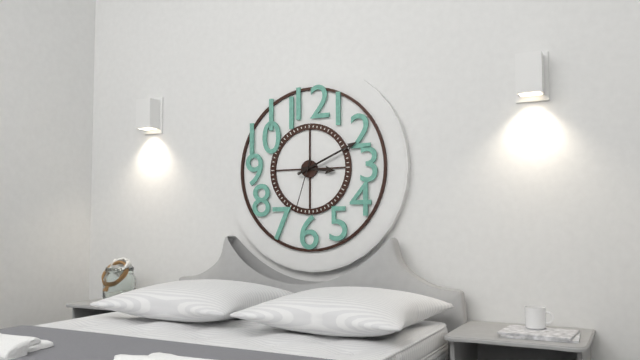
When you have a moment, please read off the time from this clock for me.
3:11:33
